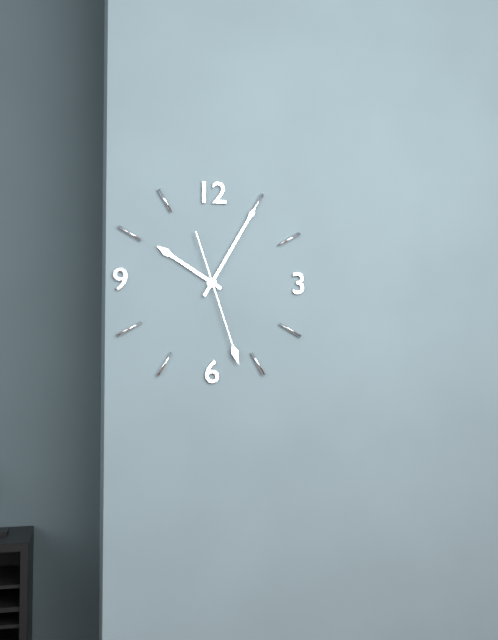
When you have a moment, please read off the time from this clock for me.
10:05:27
